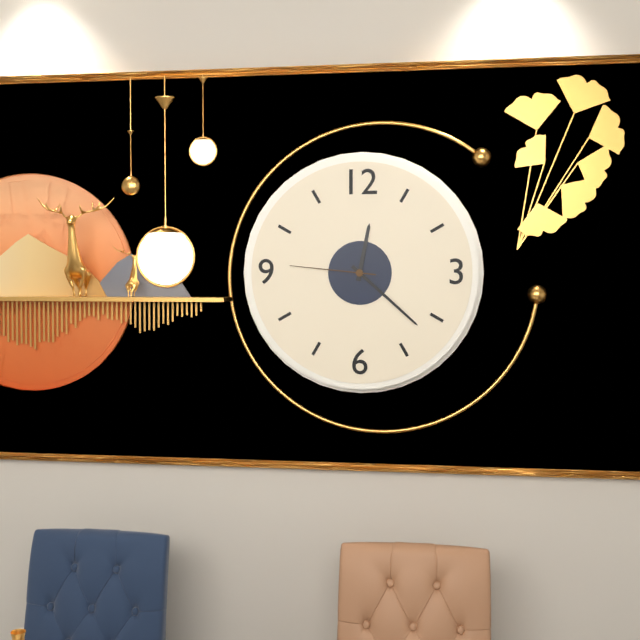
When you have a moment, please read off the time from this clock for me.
12:22:46
